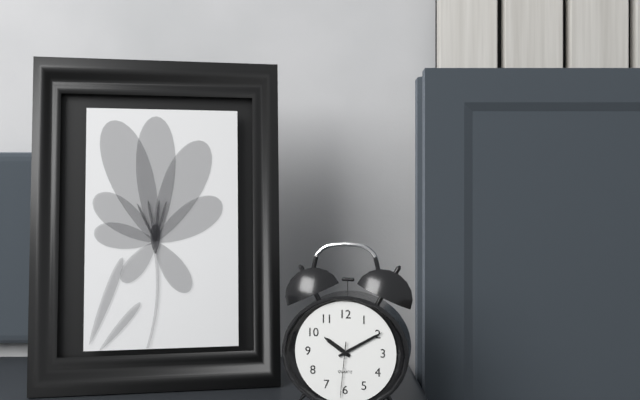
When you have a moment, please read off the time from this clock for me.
10:10:31
